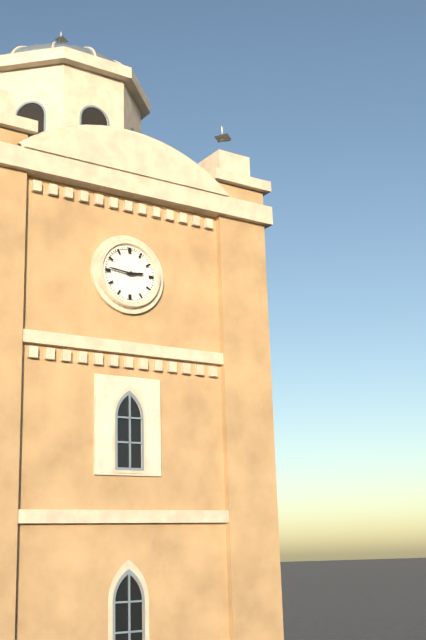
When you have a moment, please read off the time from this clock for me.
2:46
